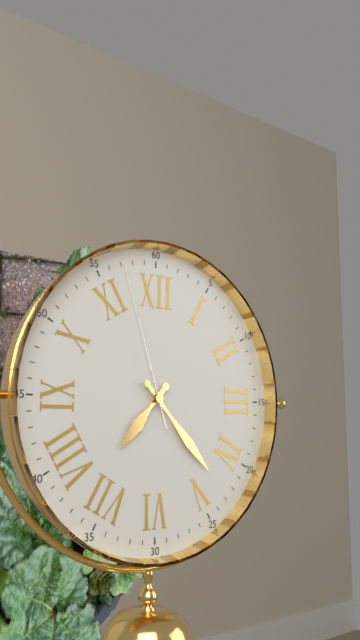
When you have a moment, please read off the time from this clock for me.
7:23:57
